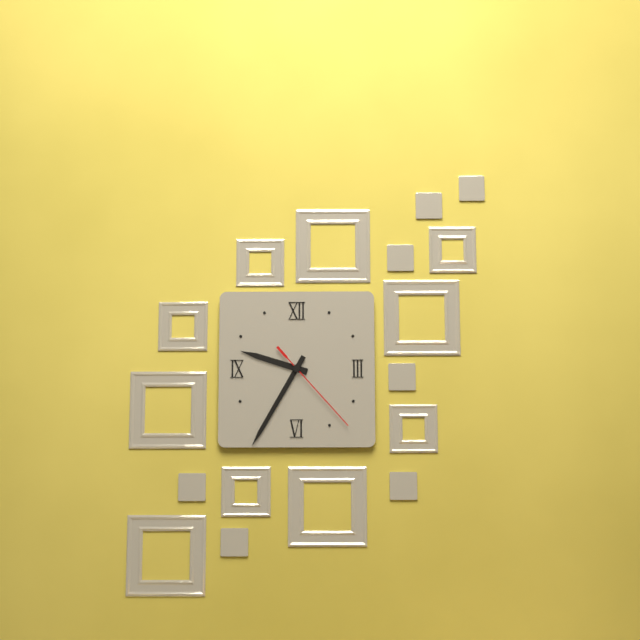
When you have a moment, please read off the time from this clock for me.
9:35:23
